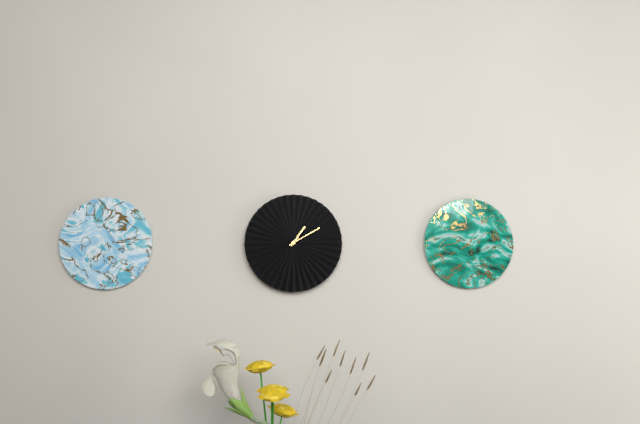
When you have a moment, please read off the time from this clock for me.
1:10
